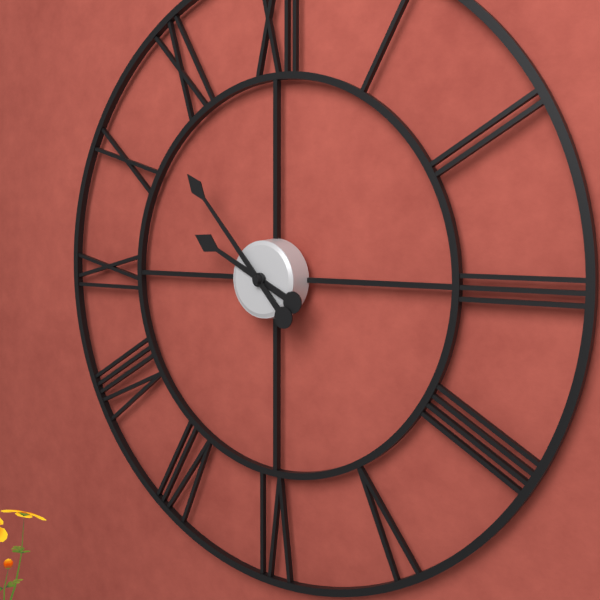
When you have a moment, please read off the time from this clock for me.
9:53
